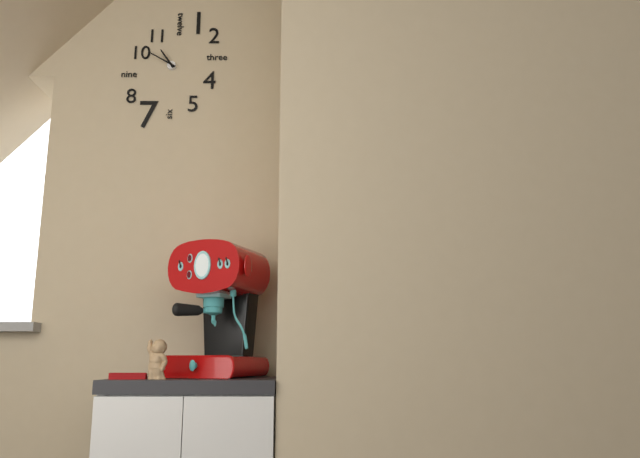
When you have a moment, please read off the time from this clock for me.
10:50
